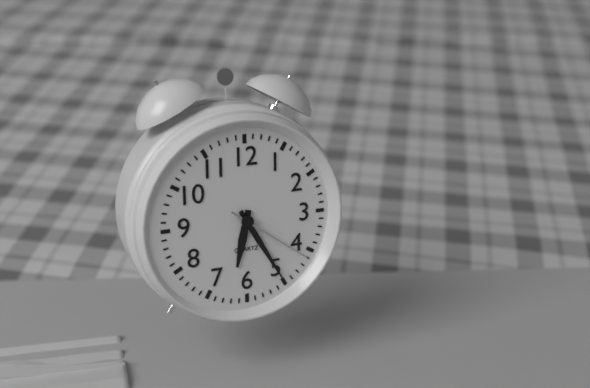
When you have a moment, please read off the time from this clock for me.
6:25:21
